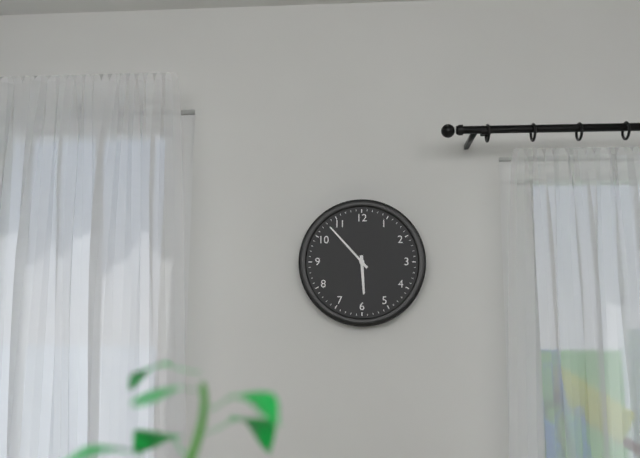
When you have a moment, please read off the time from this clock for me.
5:53
